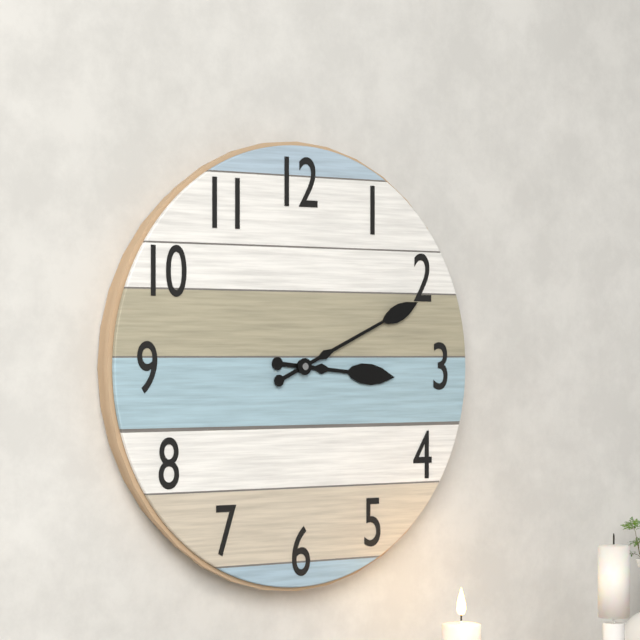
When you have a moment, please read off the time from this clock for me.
3:11
